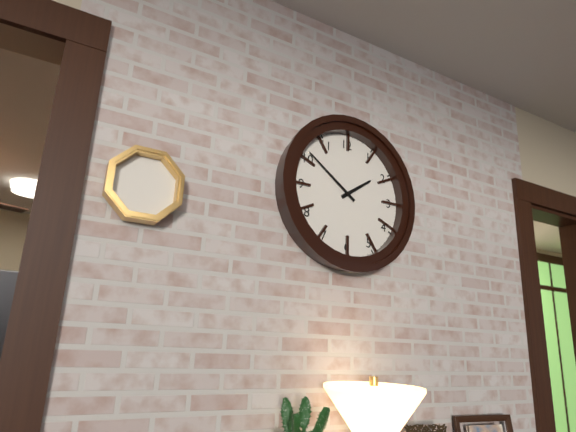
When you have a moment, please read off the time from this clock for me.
1:51
